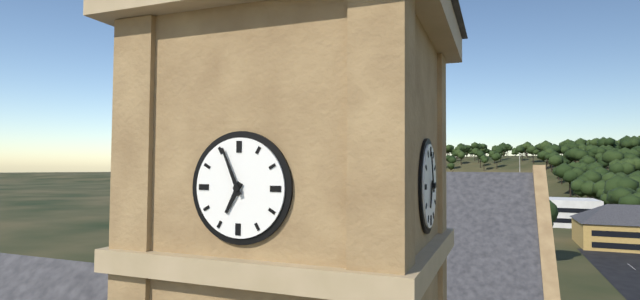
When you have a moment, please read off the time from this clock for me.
6:56
